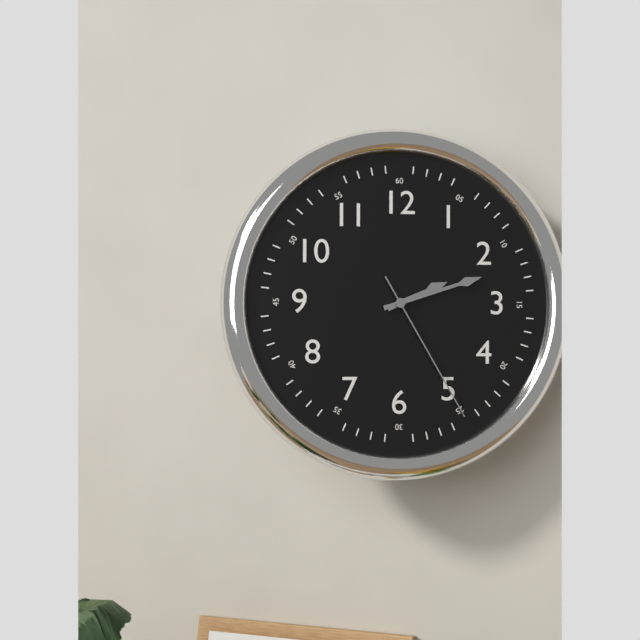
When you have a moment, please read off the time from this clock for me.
2:12:25
